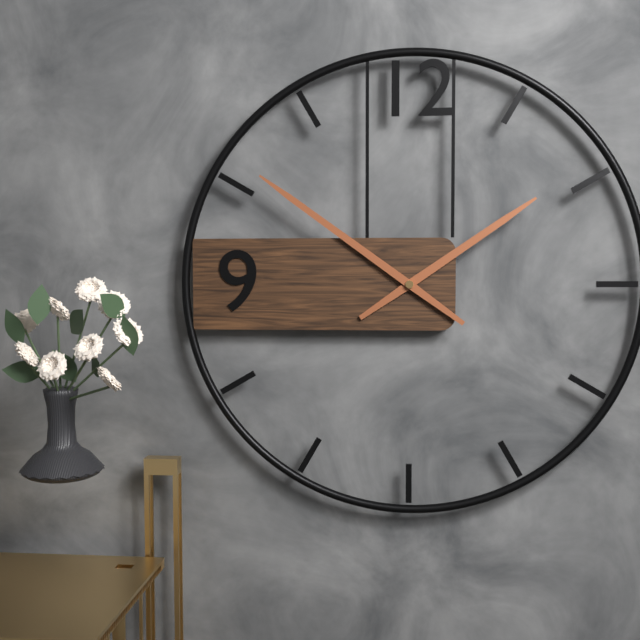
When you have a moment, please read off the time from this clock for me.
1:51
